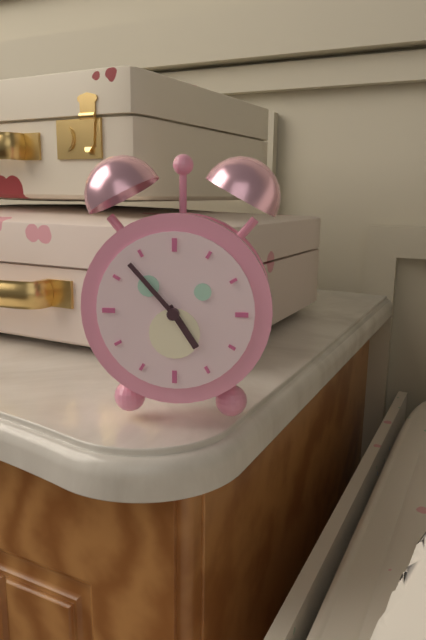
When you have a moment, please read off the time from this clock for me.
4:53
